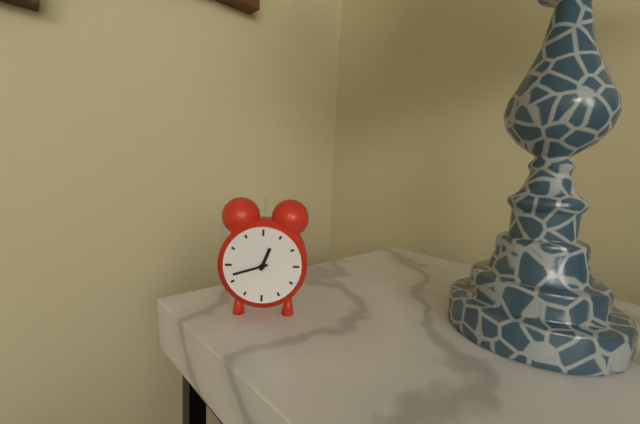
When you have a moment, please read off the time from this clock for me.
12:42
